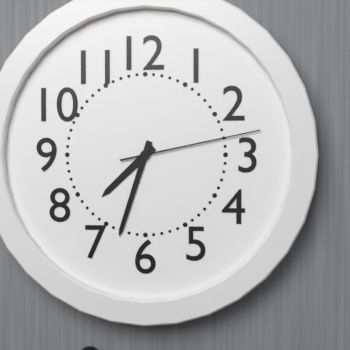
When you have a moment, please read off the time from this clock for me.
7:33:13
